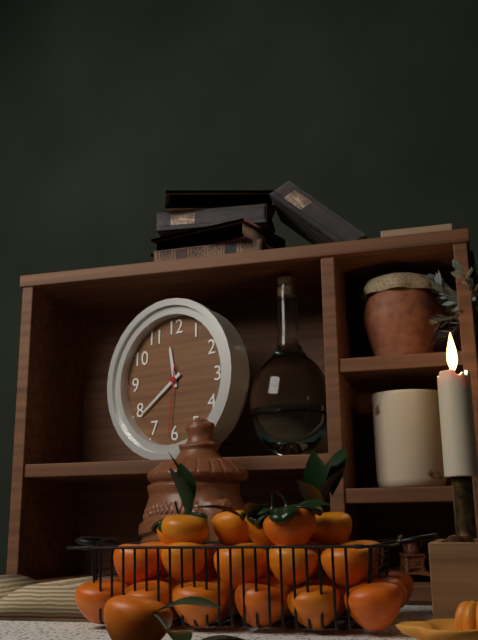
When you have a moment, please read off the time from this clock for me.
11:39:31
